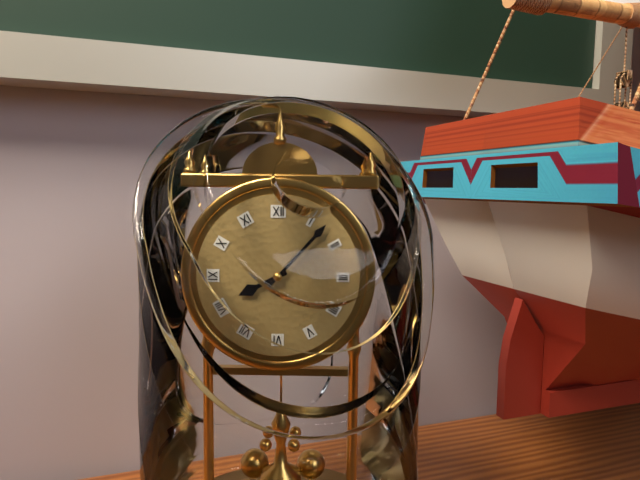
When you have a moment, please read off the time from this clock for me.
8:07
